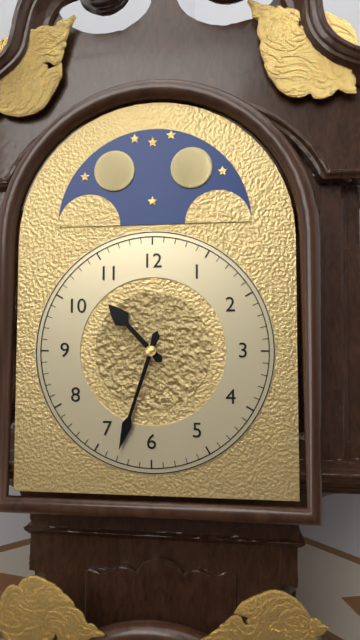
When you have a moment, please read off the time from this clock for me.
10:33
